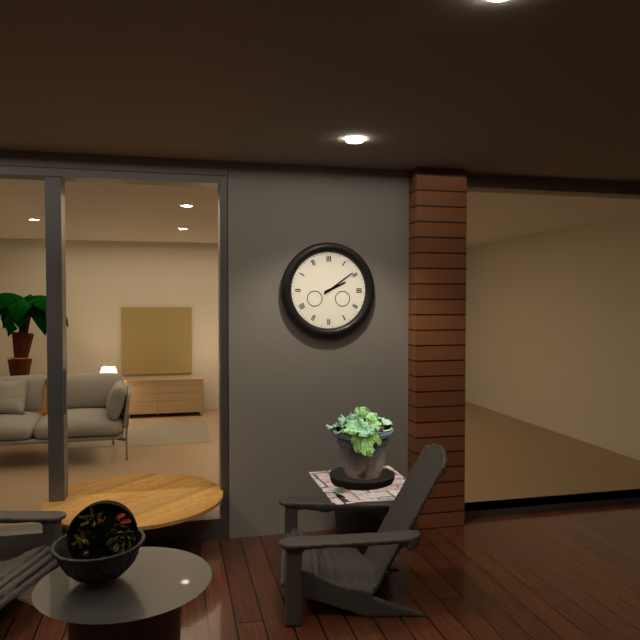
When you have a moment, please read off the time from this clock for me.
2:09
